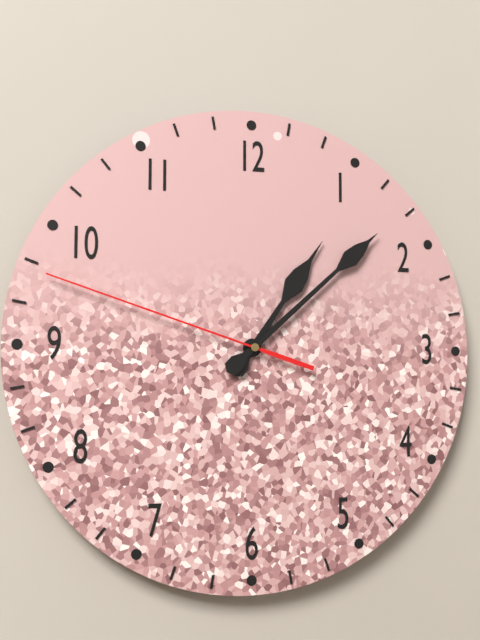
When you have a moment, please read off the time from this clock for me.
1:08:48
